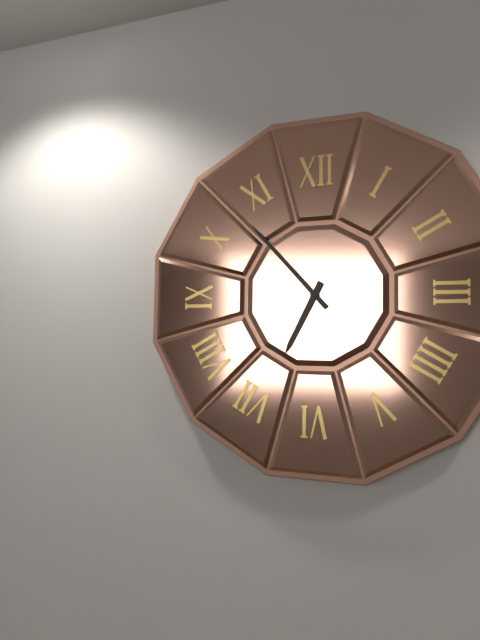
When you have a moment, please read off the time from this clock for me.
6:53
